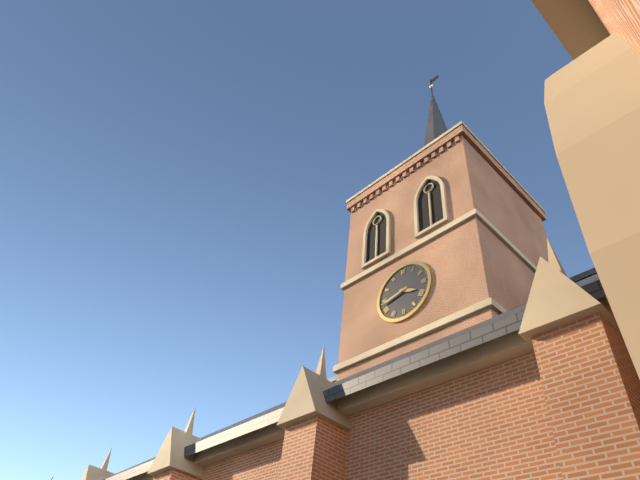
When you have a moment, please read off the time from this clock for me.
3:43
